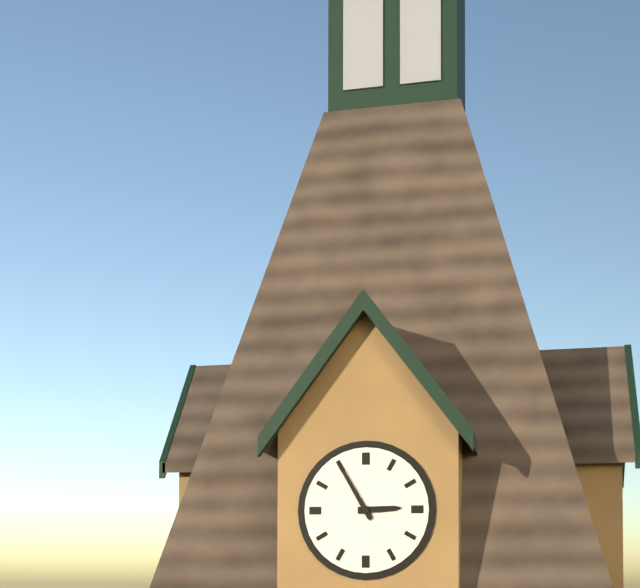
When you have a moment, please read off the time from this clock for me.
2:55
